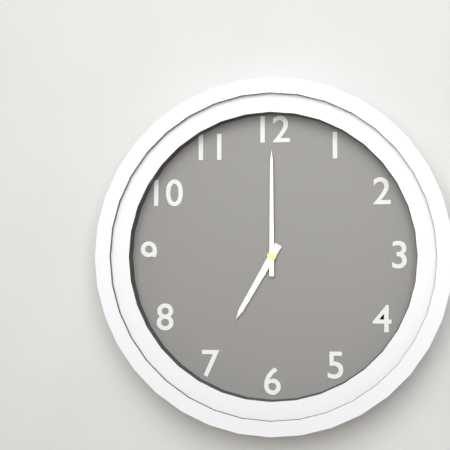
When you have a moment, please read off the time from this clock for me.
7:00
